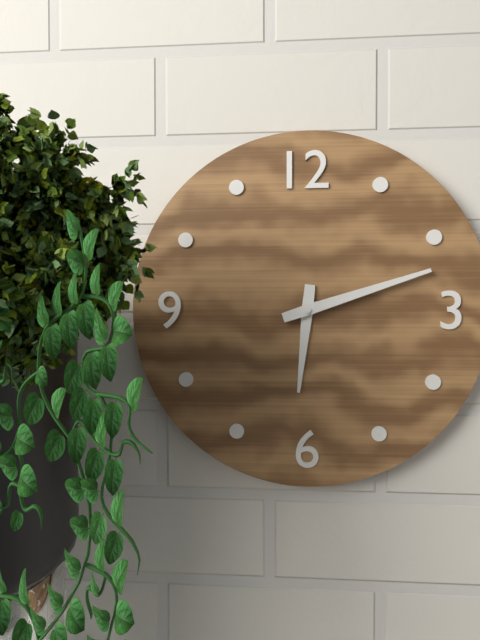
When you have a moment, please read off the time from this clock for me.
6:12
